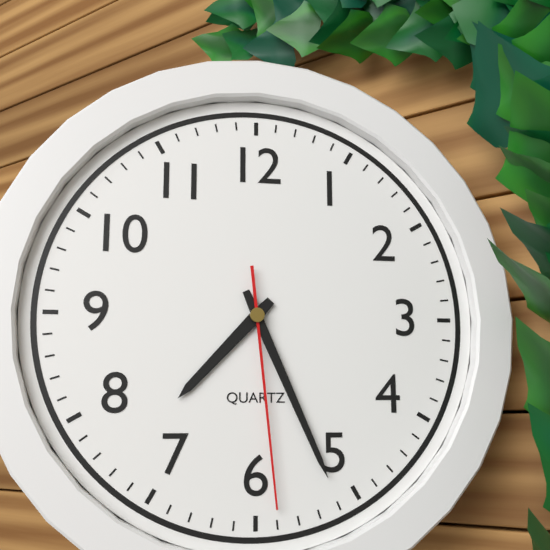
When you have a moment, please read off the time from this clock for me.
7:26:29
